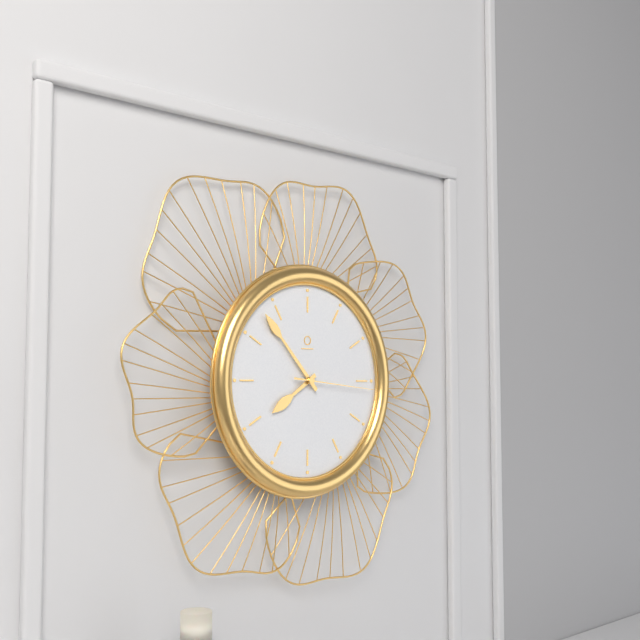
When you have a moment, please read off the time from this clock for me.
7:53:16
